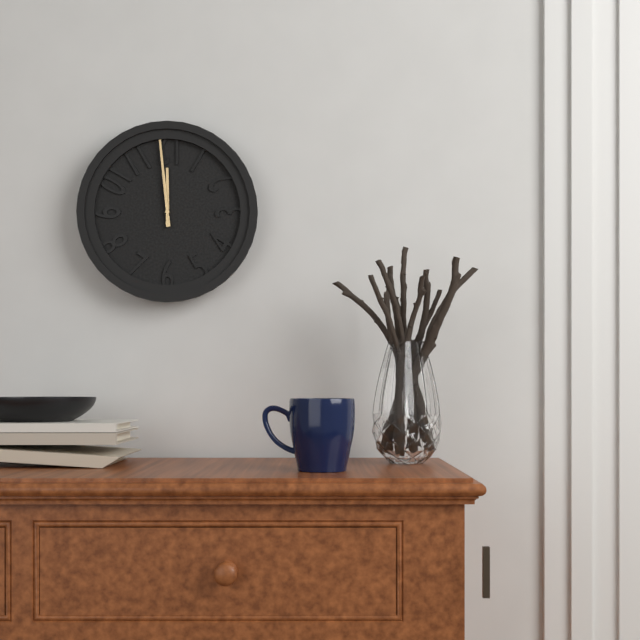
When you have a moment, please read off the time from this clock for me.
11:59
